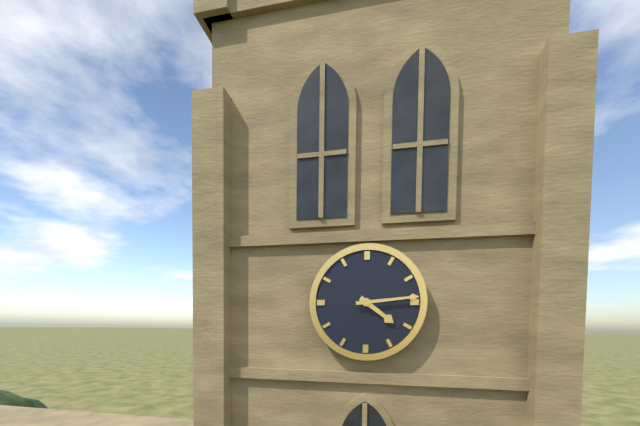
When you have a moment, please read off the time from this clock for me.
4:14
